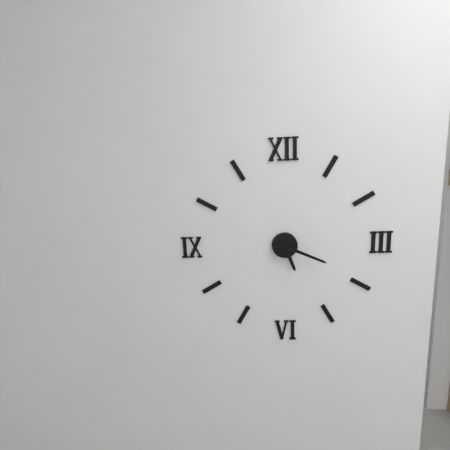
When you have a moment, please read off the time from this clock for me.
5:19
